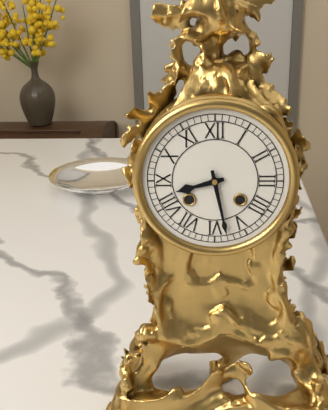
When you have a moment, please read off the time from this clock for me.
8:28
